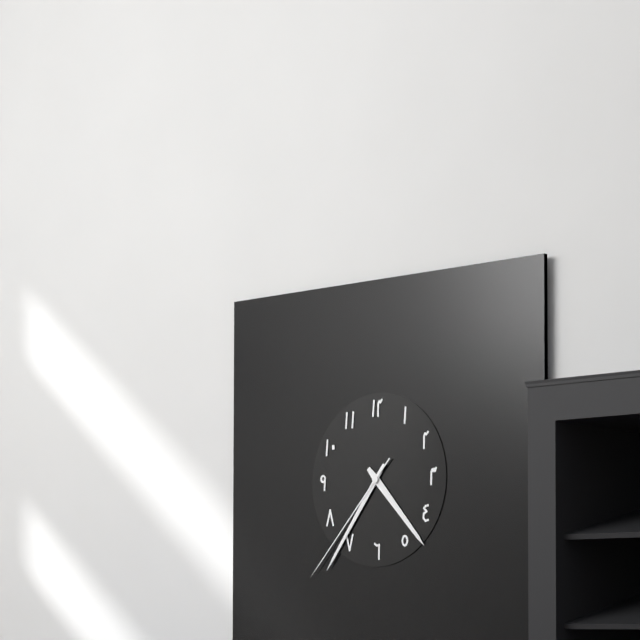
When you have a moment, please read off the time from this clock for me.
4:36:37
